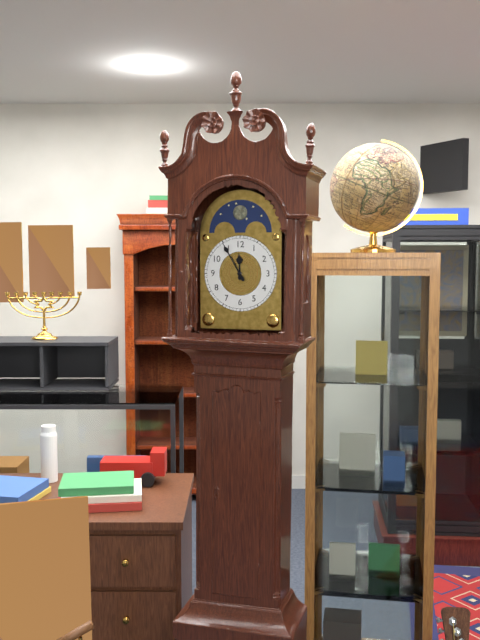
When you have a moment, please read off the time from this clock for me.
11:55
